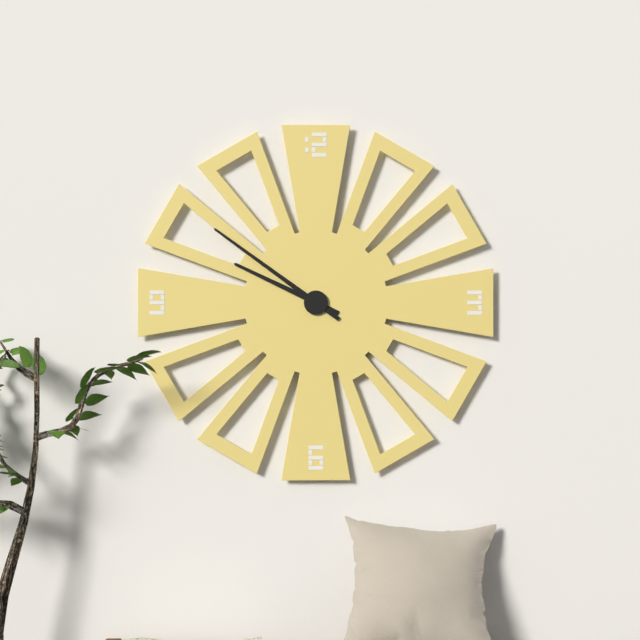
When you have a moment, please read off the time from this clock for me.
9:51
